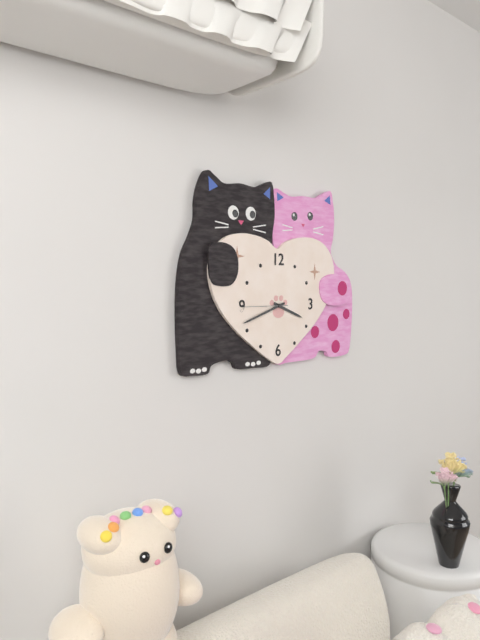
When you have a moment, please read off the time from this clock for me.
3:42
